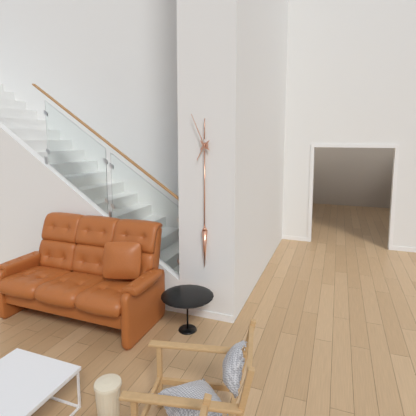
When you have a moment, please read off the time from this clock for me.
6:56
